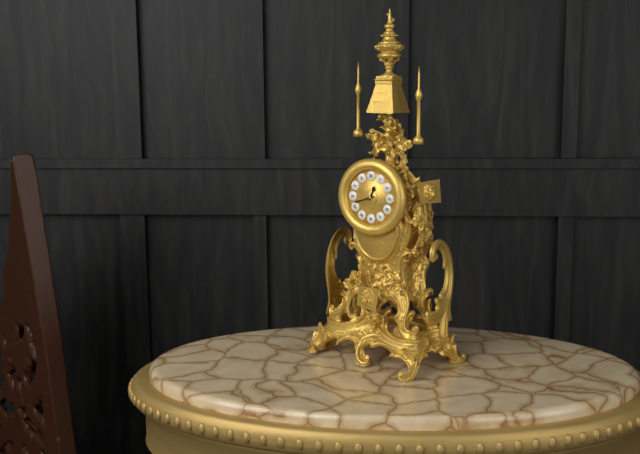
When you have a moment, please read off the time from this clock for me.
12:42
